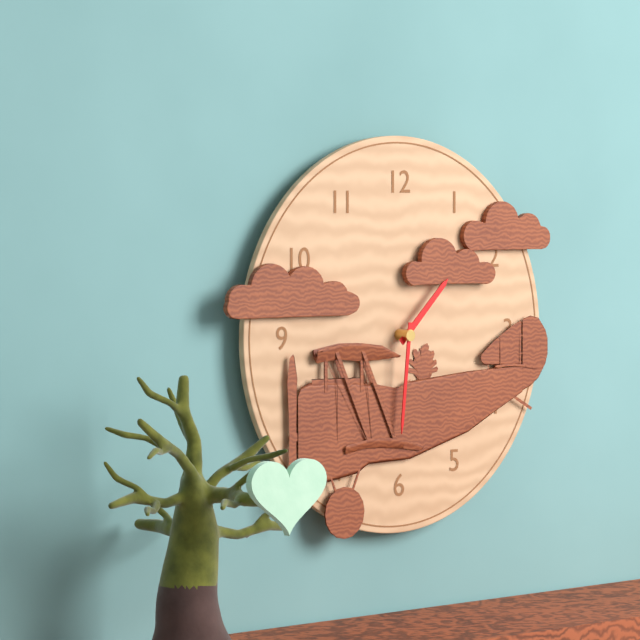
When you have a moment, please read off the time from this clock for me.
1:31
